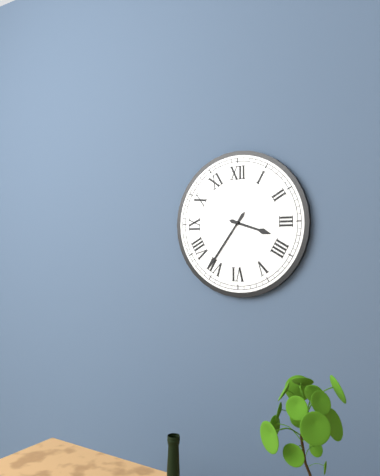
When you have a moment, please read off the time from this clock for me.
3:36
